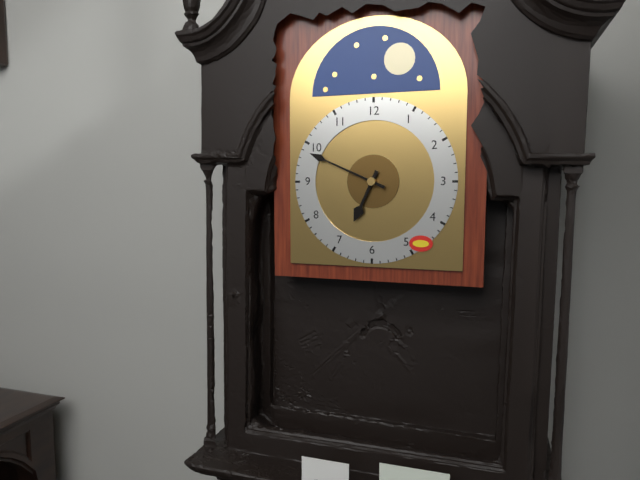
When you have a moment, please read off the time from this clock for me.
6:49
